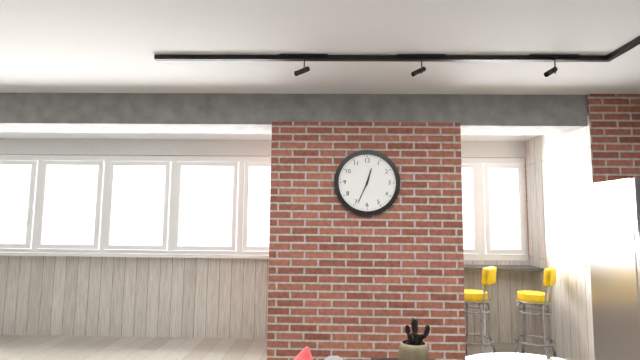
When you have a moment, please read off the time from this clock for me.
12:34
